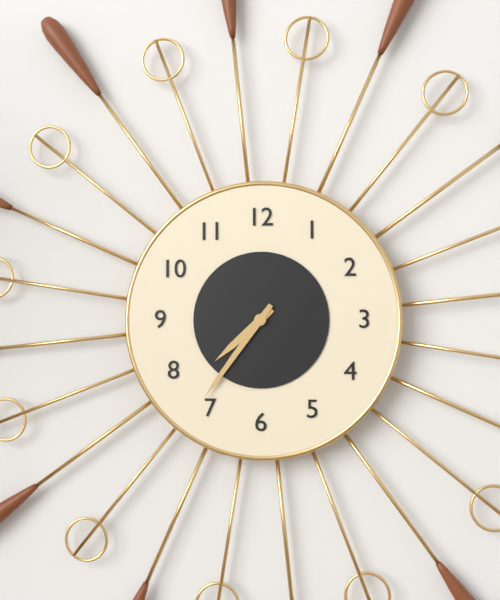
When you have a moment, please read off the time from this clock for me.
7:36
